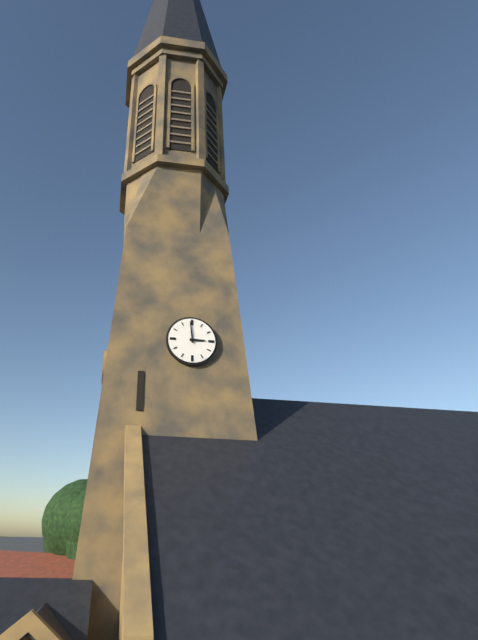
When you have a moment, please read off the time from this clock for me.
2:59
